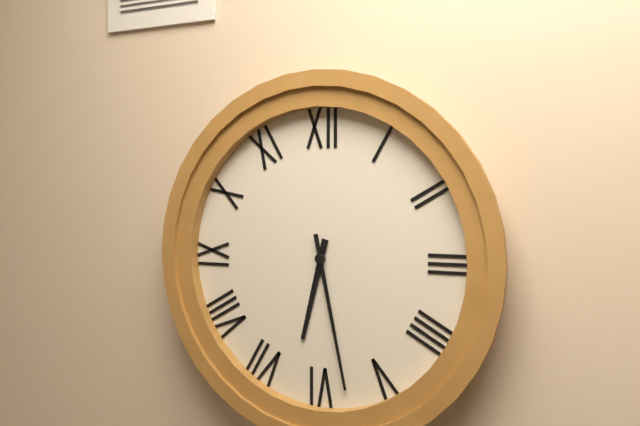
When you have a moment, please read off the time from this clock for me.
6:28
